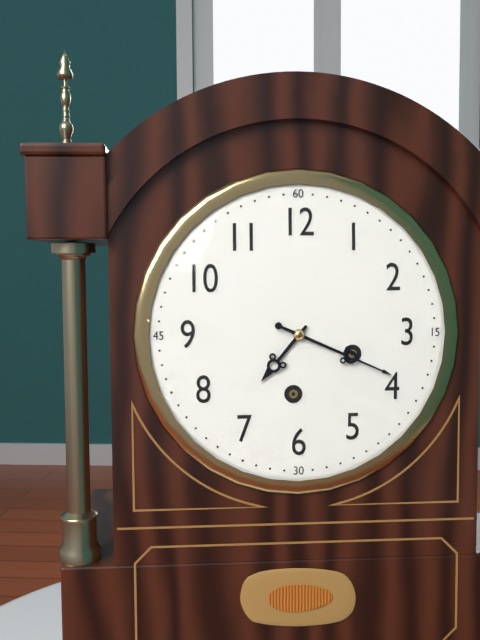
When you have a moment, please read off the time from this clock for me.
7:19
